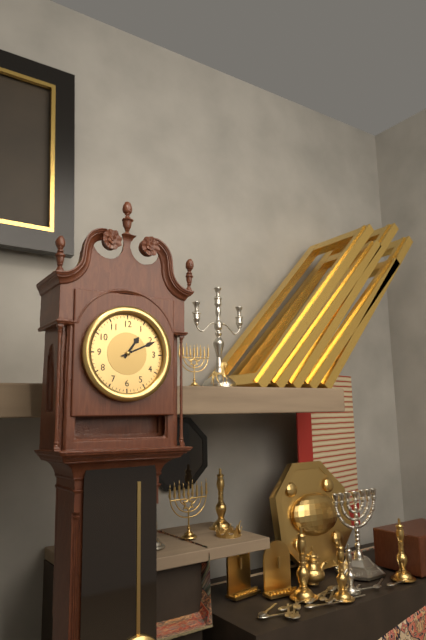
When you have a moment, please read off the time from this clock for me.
1:11
